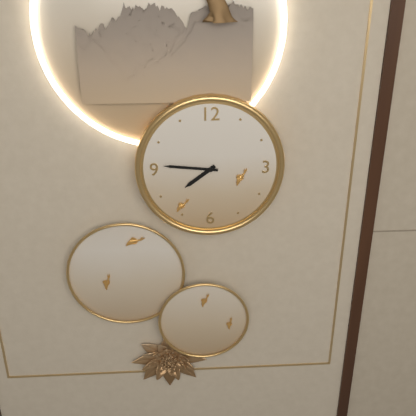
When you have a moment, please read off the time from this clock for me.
7:46
